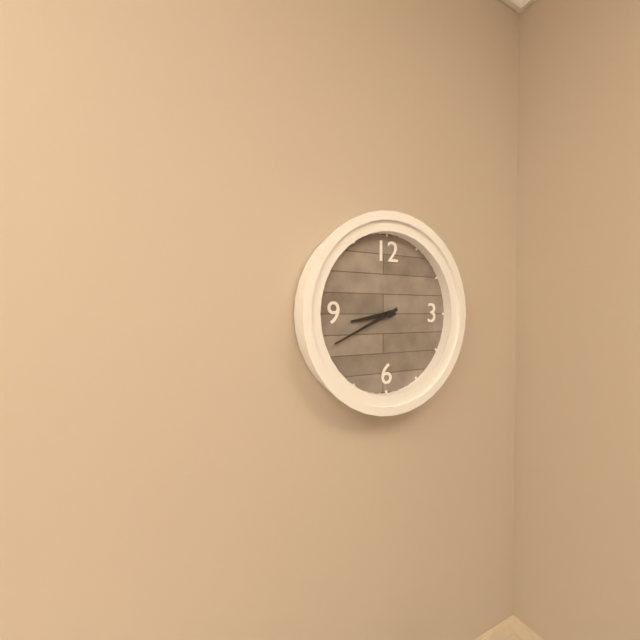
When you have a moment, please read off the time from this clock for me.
8:41
